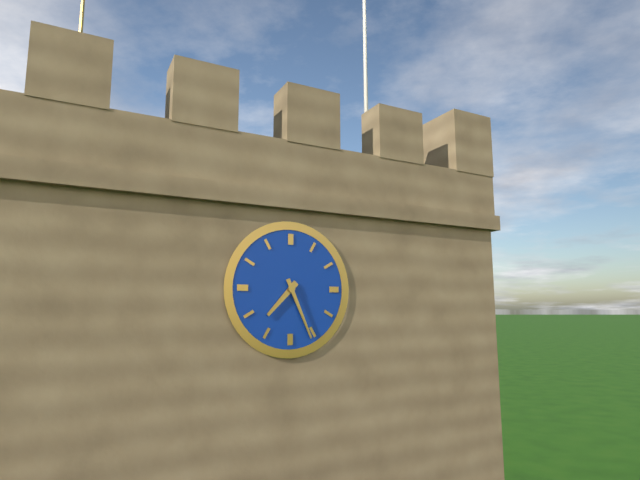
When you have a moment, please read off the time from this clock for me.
7:26
